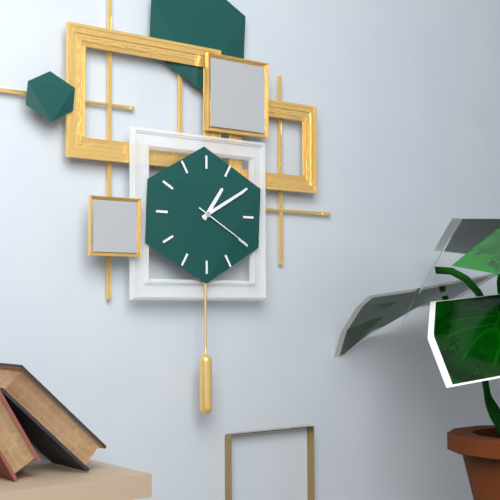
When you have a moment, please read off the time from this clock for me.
1:10:20
